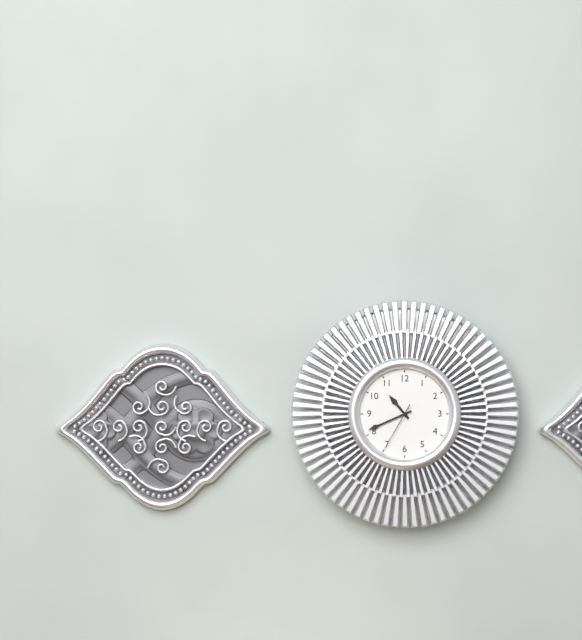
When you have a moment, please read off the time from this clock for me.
10:41:35
